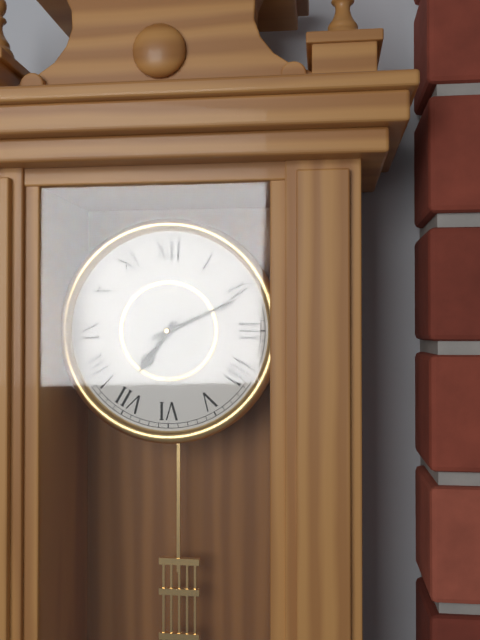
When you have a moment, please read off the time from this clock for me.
7:11
